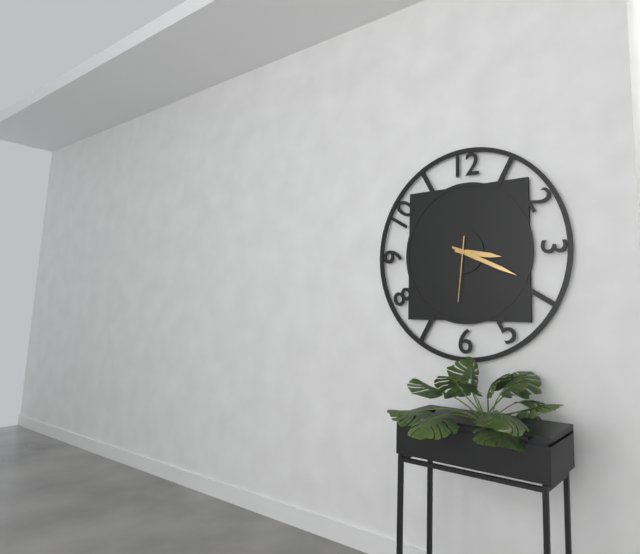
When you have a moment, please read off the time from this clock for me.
3:19:31
